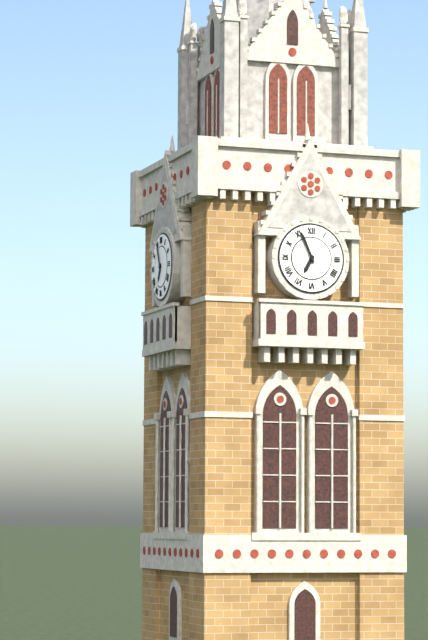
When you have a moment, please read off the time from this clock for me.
6:56
